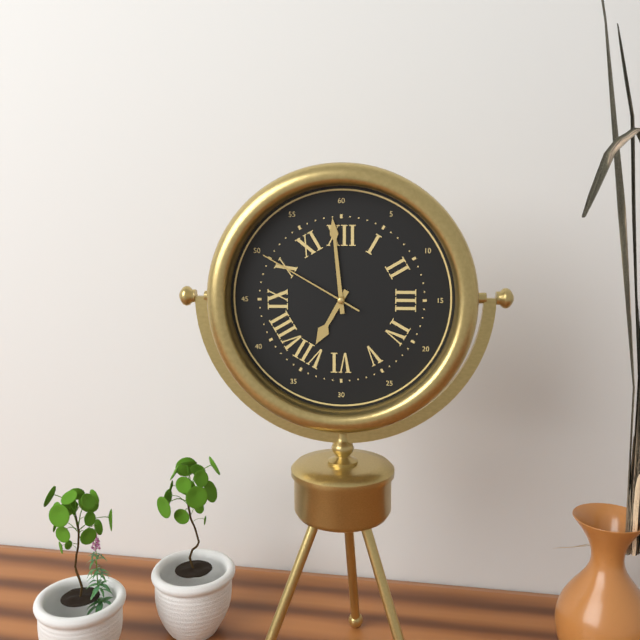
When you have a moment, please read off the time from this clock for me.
6:59:50
